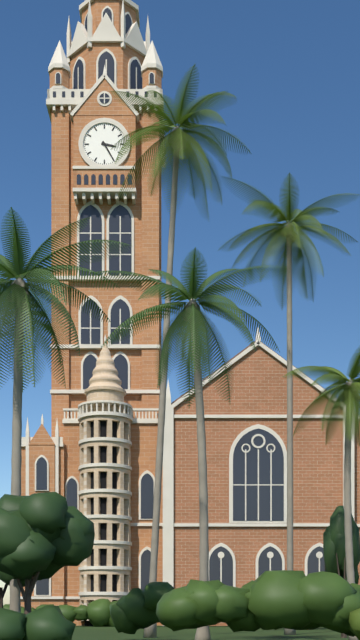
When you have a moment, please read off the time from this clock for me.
3:25
